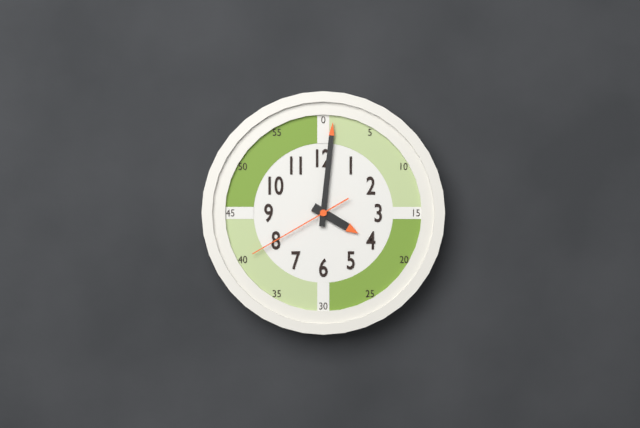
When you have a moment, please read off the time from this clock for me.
4:01:40
